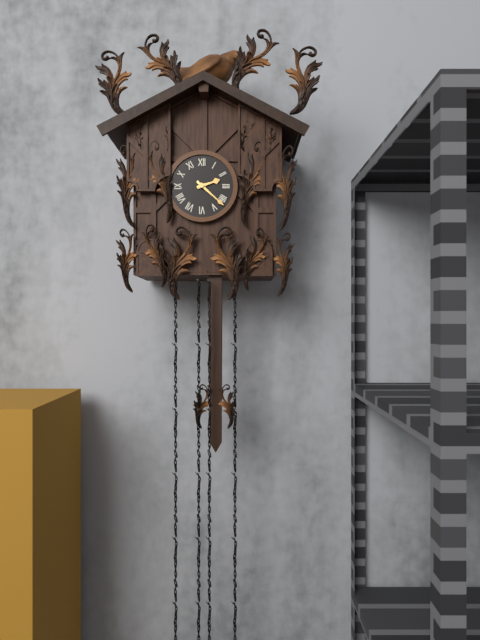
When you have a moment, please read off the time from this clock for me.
2:22
